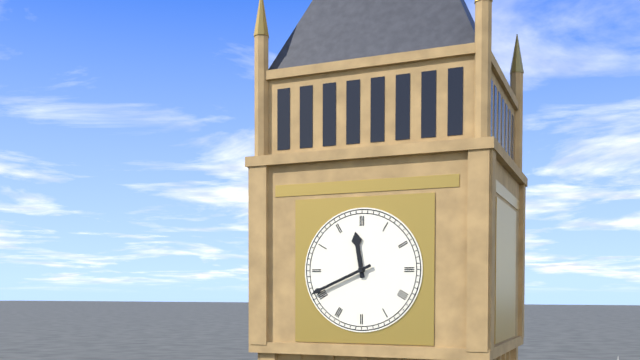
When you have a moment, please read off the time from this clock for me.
11:41
